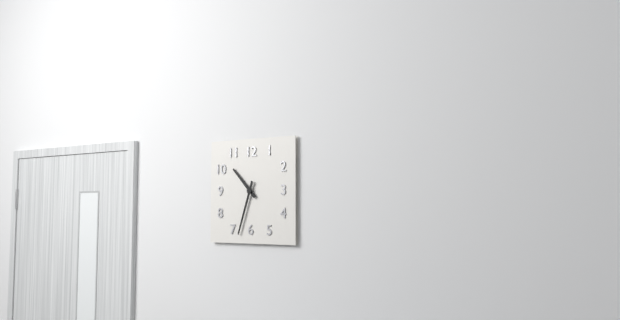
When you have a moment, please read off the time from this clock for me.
10:33
